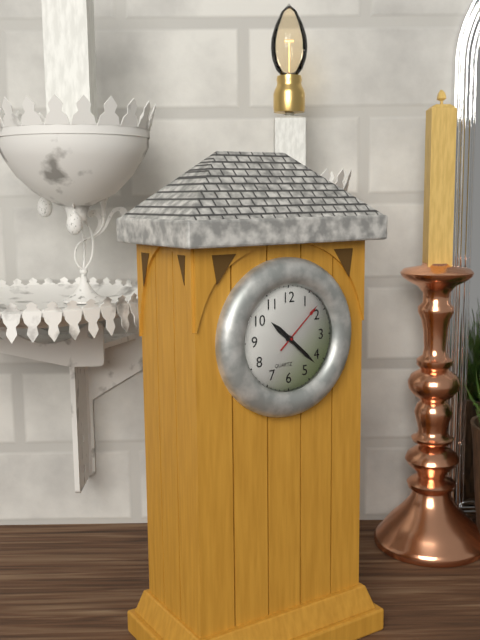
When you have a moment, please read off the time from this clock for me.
10:22:08
